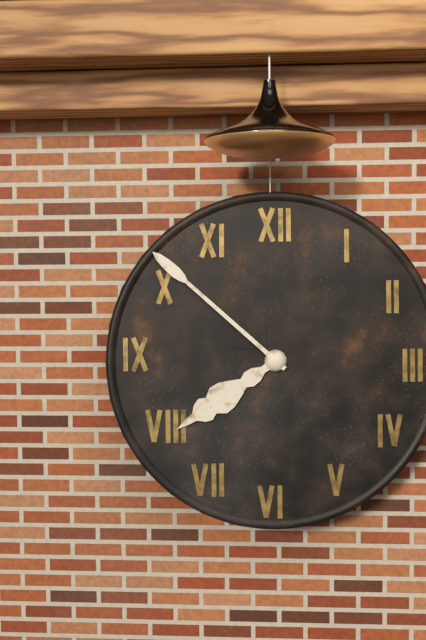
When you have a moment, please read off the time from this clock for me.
7:52
